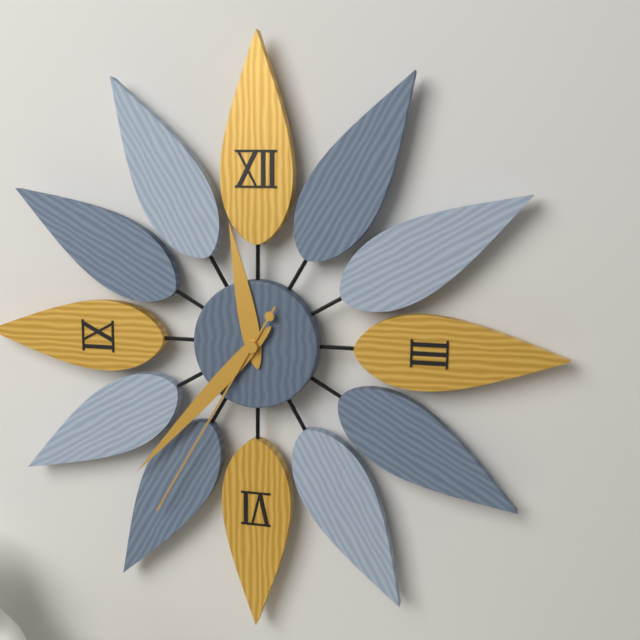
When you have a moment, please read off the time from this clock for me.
11:37:35
